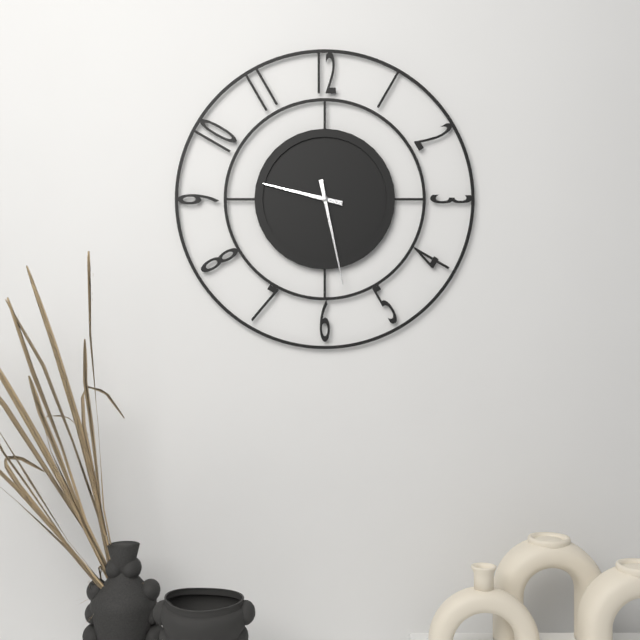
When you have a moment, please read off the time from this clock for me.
9:28
